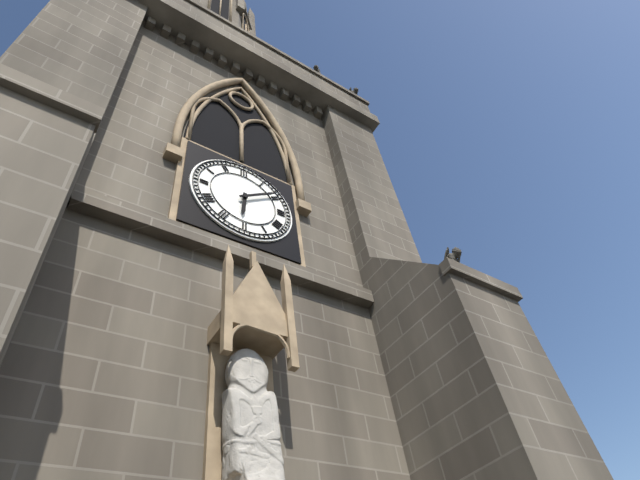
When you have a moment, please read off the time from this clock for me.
6:09
